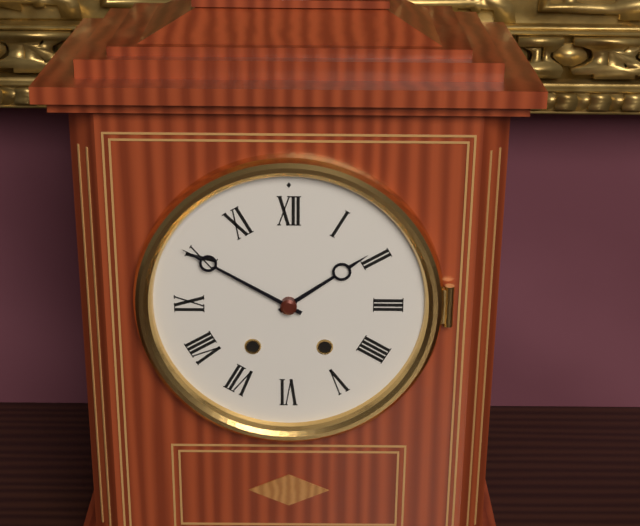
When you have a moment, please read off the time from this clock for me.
1:50
